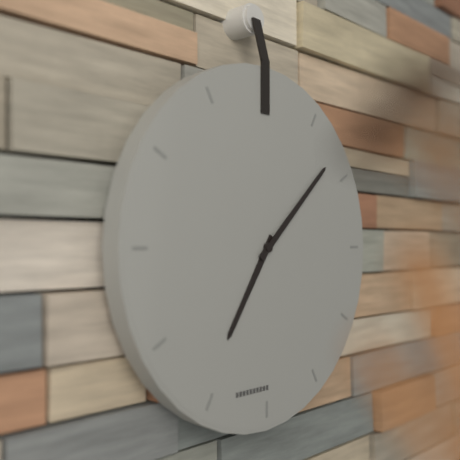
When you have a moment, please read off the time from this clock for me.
7:08
